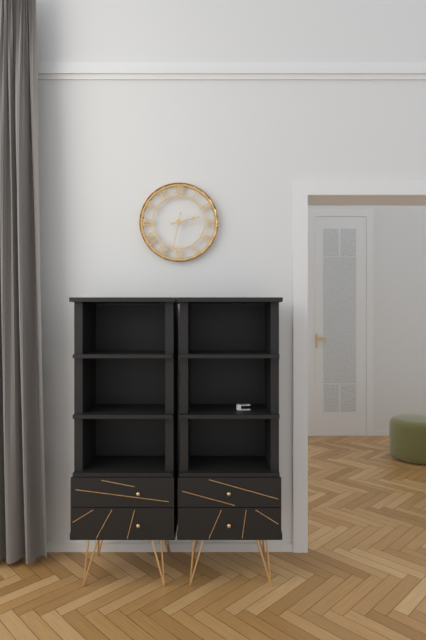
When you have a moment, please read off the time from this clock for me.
2:32
